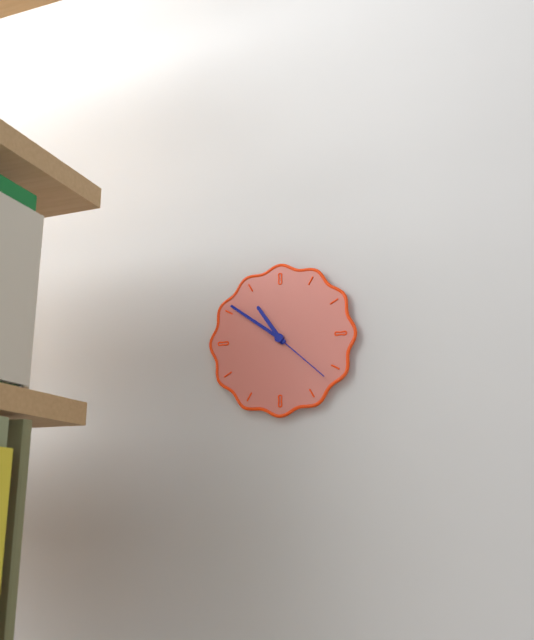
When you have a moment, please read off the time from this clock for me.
10:51:22
